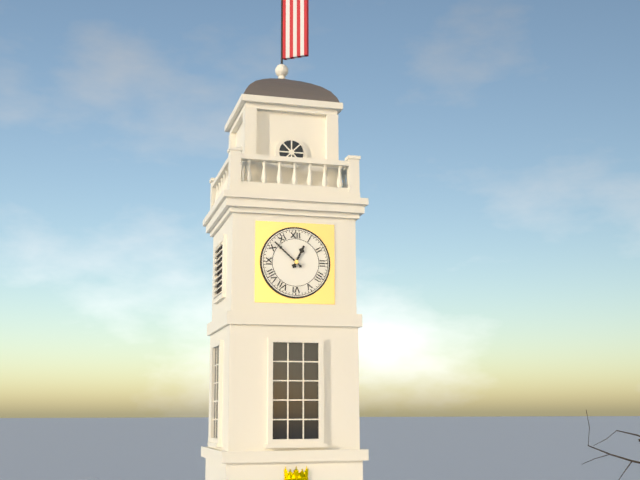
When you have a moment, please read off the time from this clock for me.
12:52
